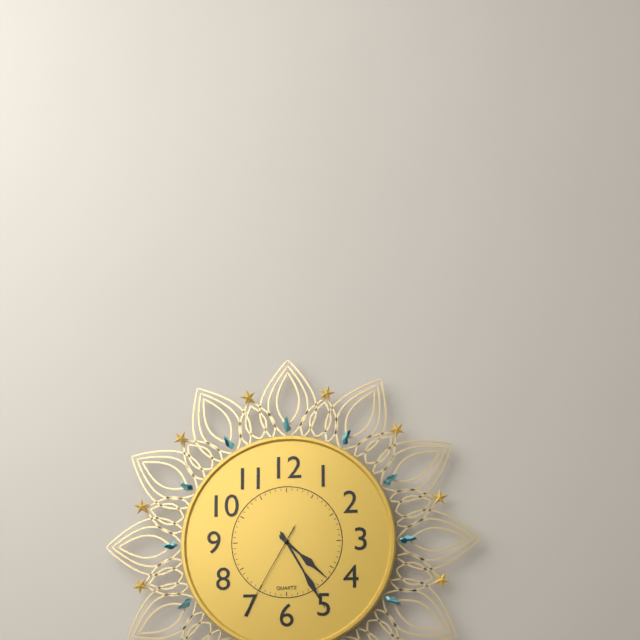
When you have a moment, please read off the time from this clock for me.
4:25:35
